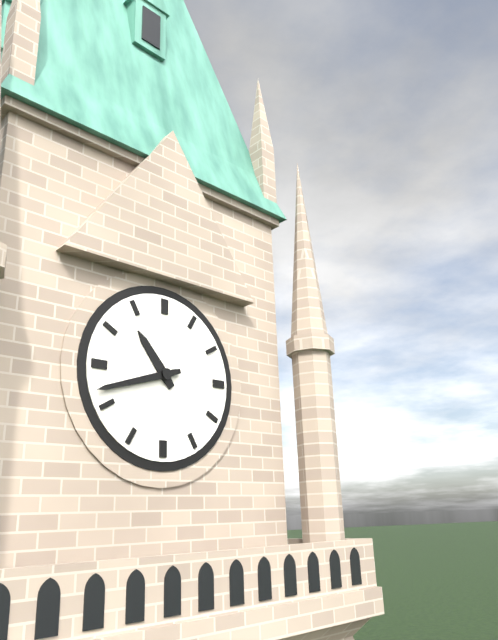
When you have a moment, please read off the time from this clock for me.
10:42
